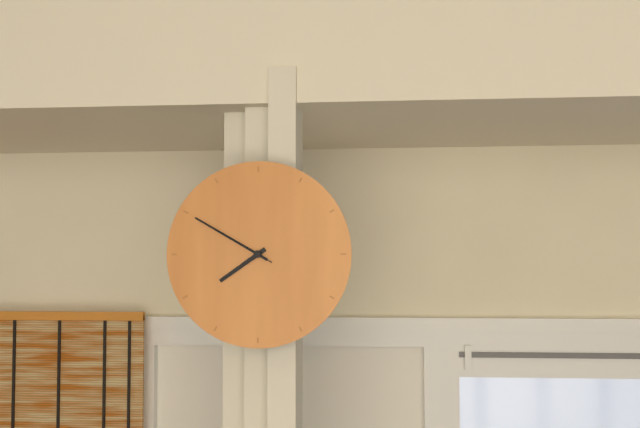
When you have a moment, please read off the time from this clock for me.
7:50:50
